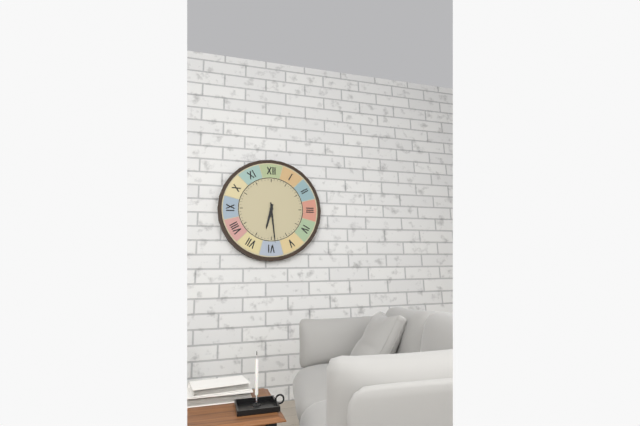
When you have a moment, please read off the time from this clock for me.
6:29
